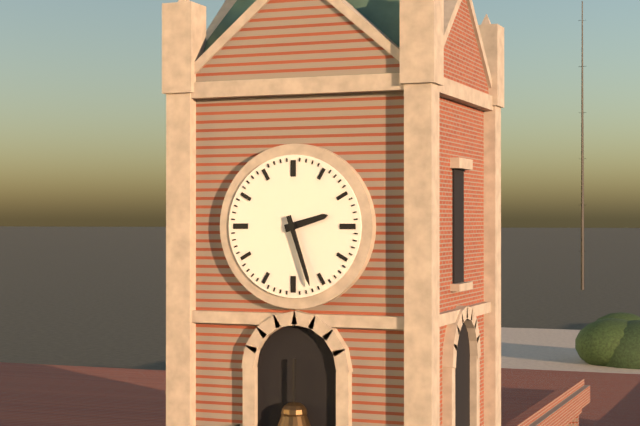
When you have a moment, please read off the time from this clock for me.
2:27
